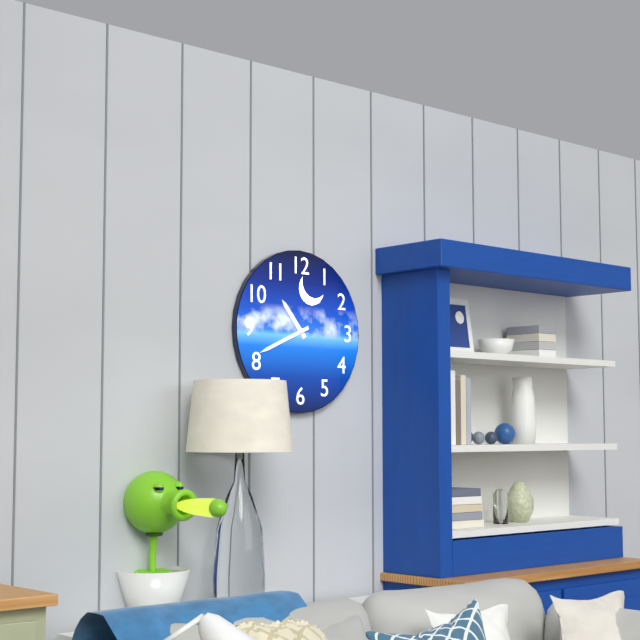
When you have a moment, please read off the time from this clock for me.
10:41
